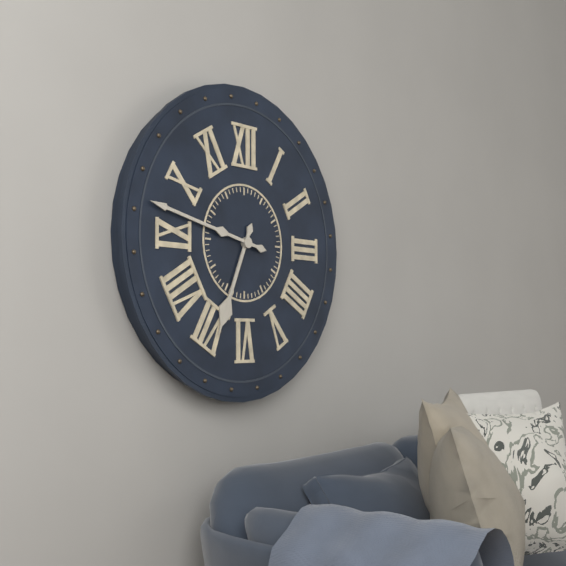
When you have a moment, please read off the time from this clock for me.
6:47
